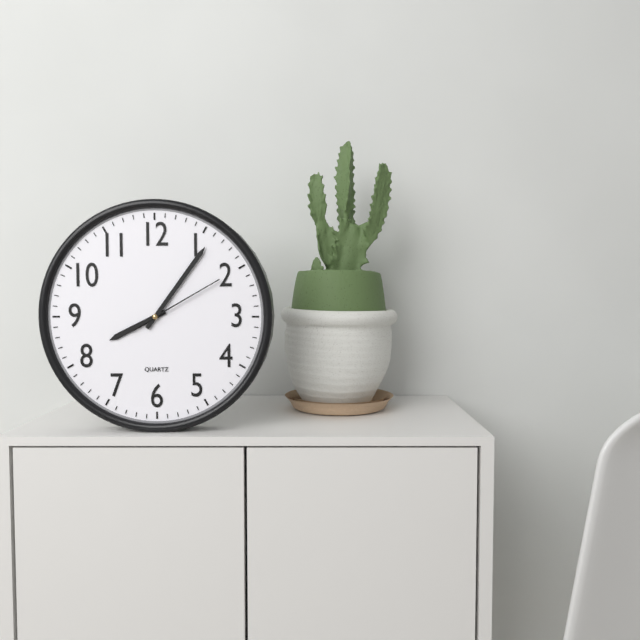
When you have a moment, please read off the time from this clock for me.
8:06:10
